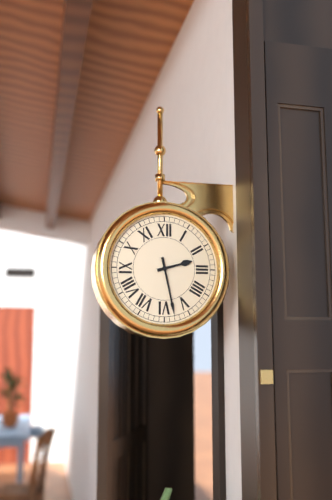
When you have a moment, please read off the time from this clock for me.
2:28
